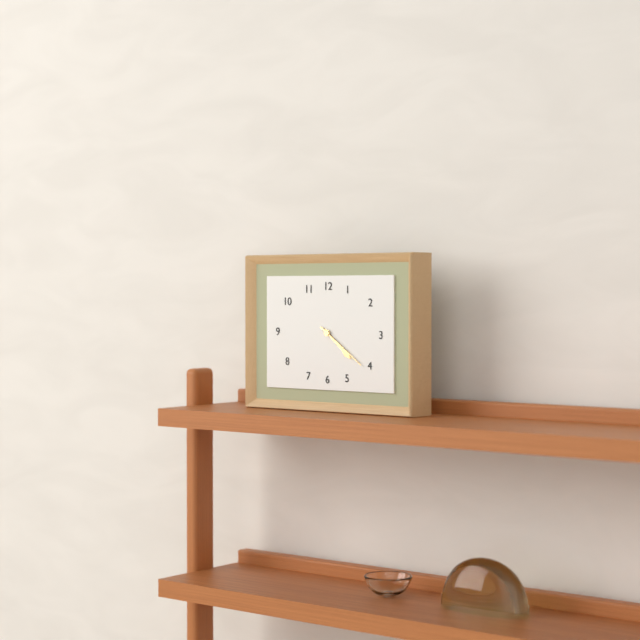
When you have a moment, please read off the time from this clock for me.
4:21
